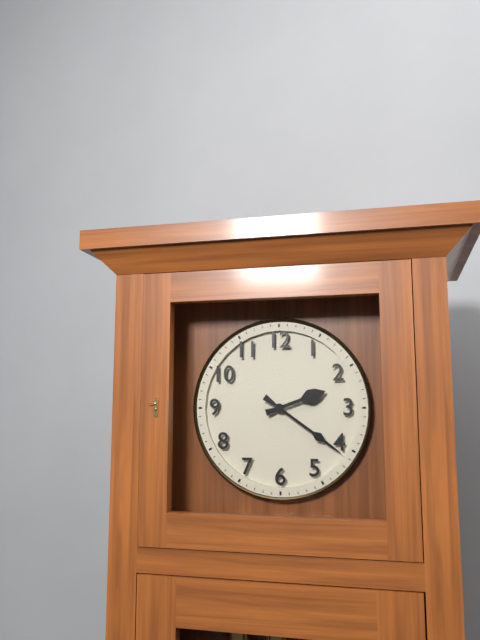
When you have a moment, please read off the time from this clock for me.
2:21
